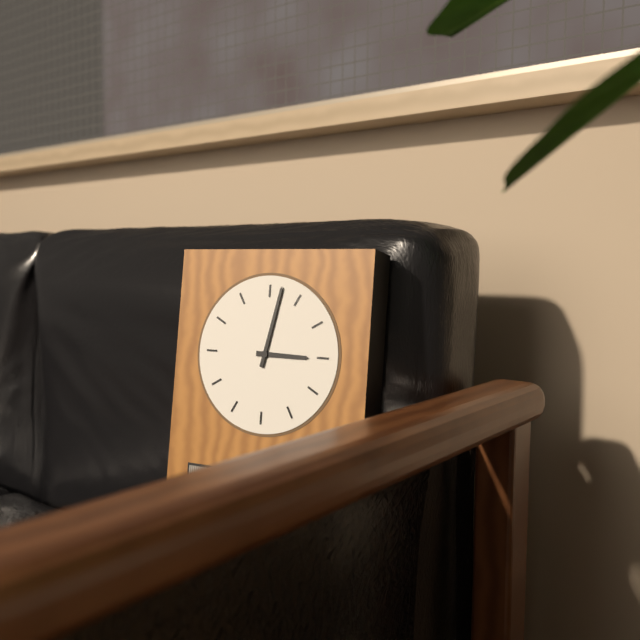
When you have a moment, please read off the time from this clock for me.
3:02
